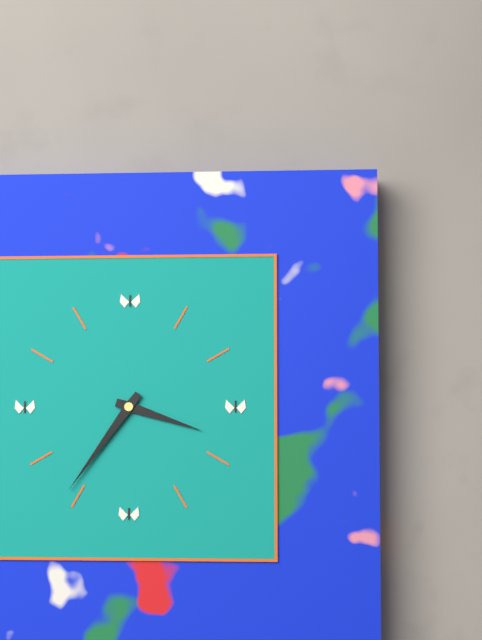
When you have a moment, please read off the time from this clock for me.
3:36
